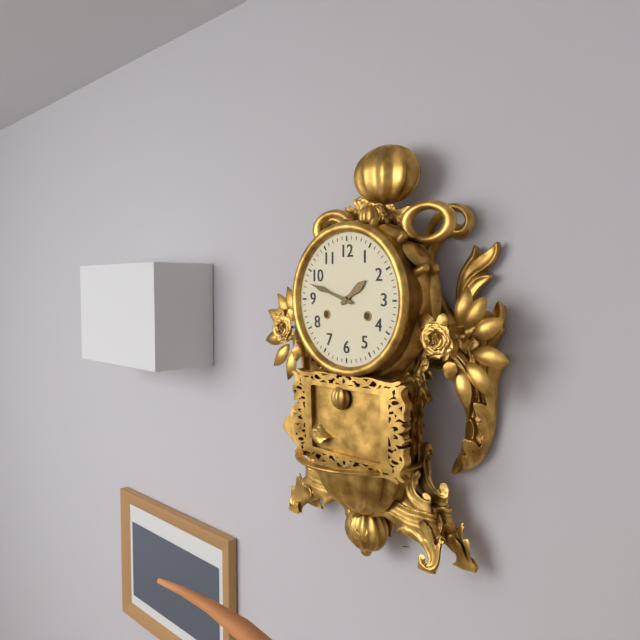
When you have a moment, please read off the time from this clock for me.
1:48
